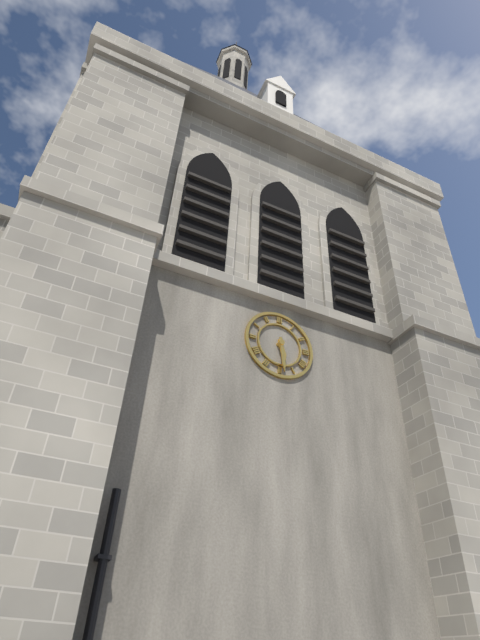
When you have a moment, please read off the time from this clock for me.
5:29
